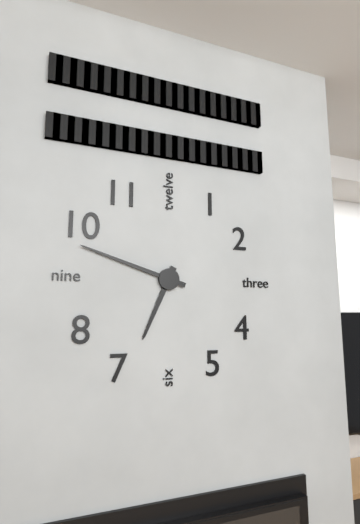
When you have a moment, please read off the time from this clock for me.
6:48
